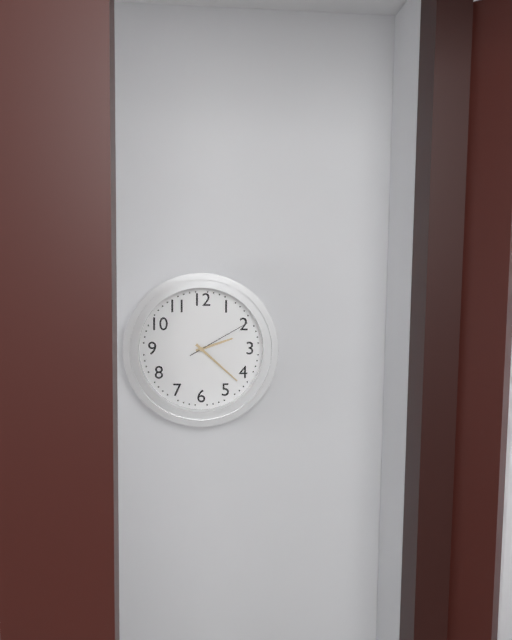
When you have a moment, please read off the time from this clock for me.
2:22:10
